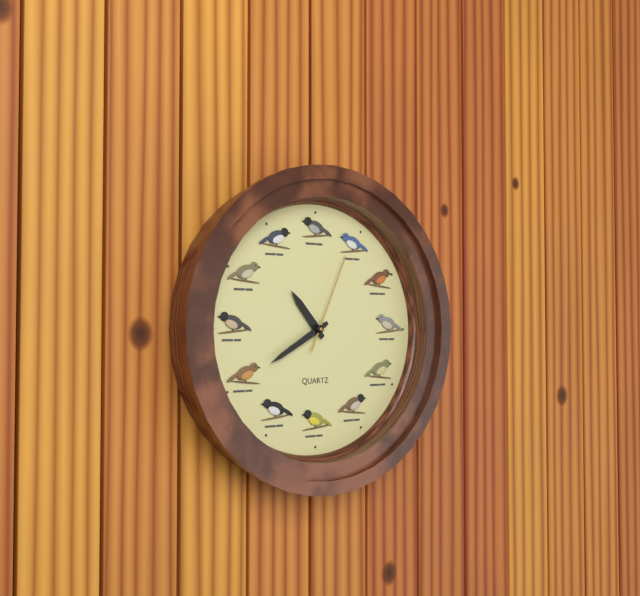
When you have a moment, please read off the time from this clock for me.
10:40:04
